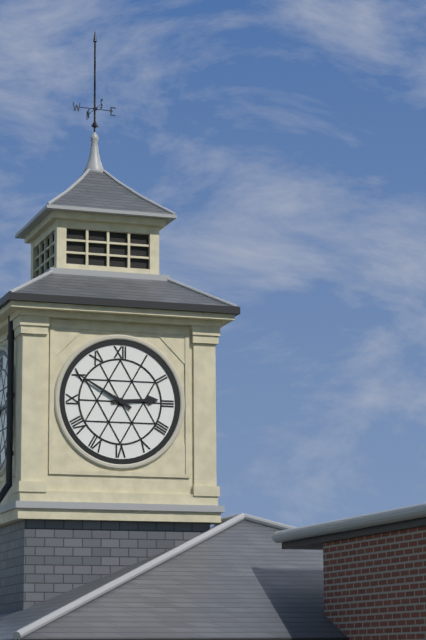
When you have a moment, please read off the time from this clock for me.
2:50
